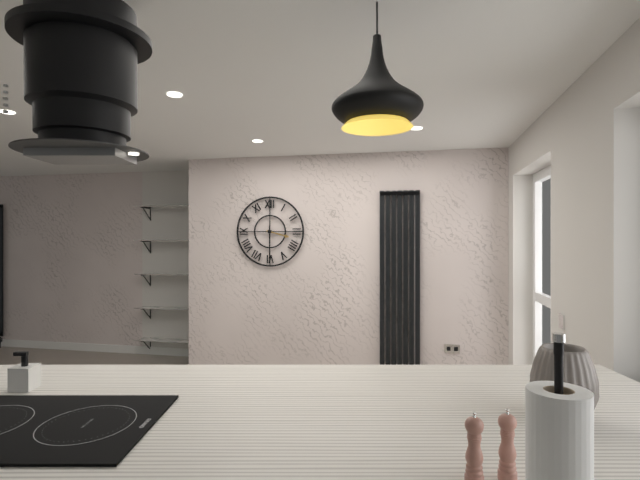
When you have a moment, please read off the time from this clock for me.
3:30
